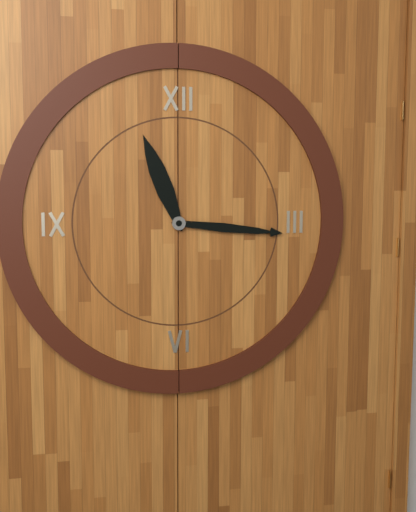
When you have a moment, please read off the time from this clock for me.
11:16
